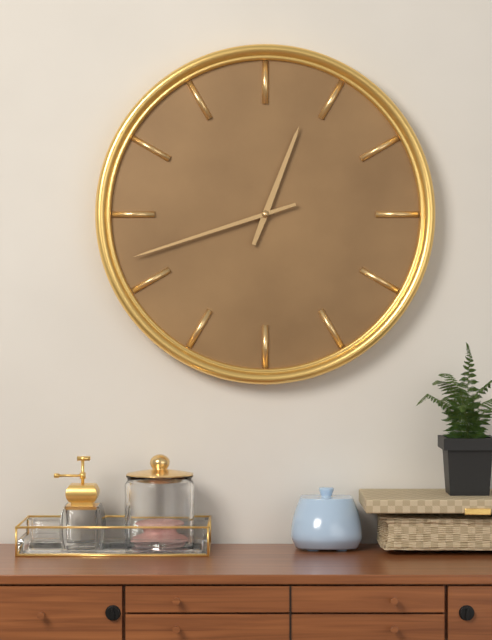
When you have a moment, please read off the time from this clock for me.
12:42
